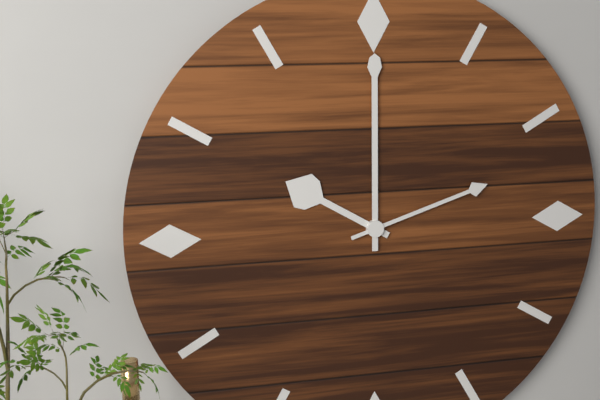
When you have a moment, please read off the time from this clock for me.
10:00:12
